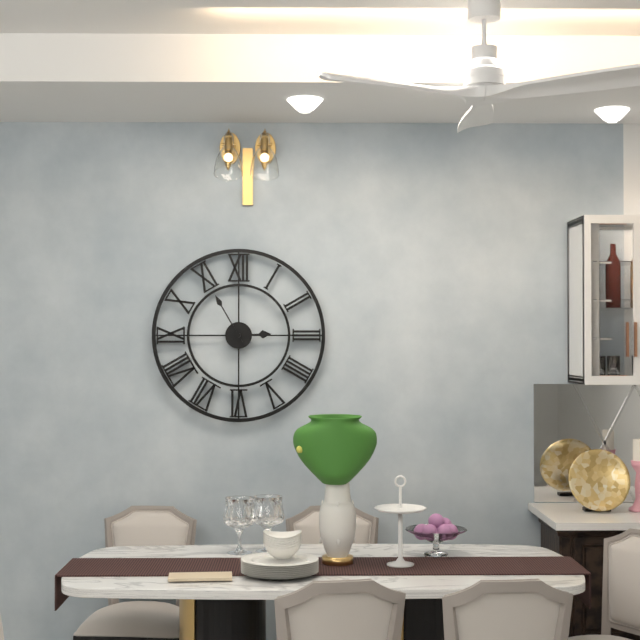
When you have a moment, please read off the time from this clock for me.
2:55
